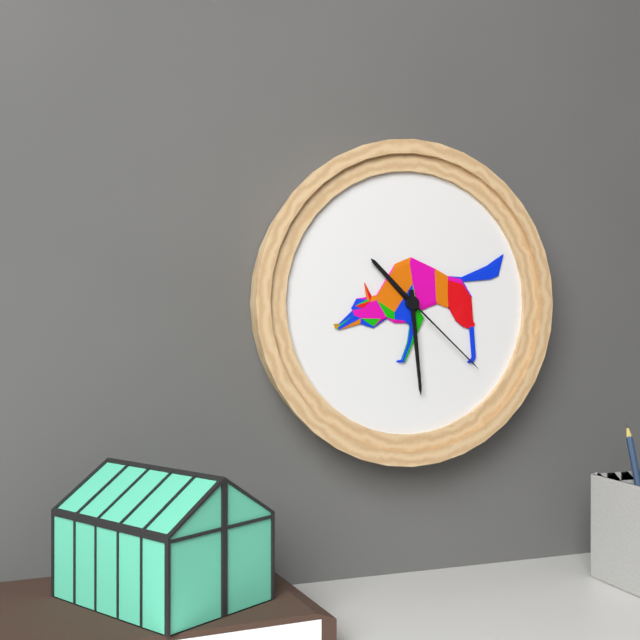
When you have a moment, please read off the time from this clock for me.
10:29:22
